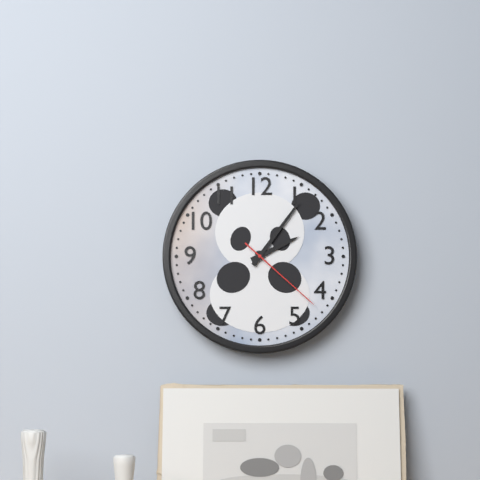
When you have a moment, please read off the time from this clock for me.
2:06:22
